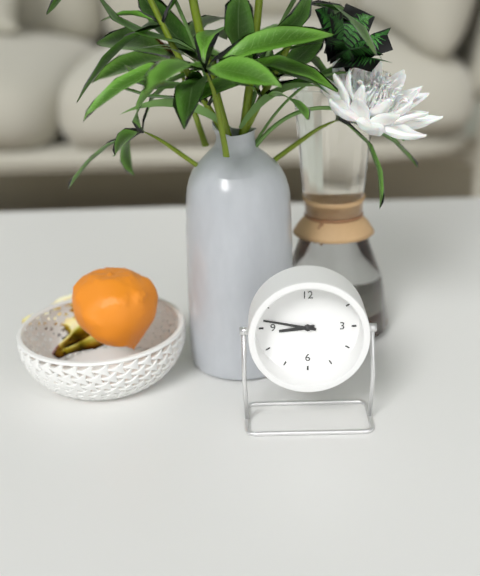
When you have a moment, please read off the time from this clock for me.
8:47
